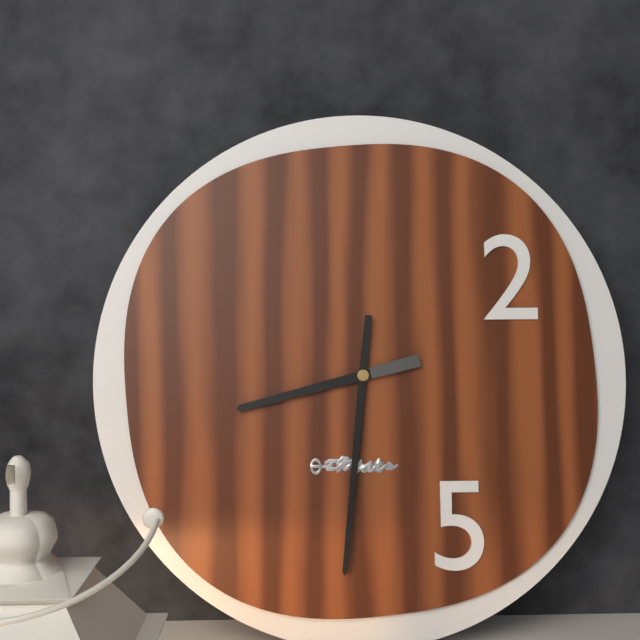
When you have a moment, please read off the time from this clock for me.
8:31
